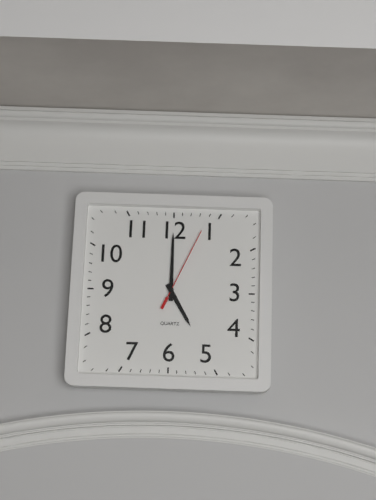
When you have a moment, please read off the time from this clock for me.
5:00:04
